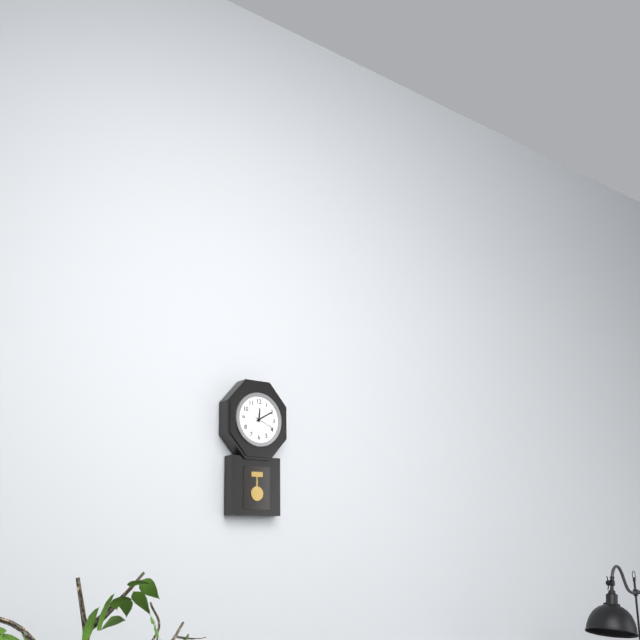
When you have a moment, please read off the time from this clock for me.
12:10
